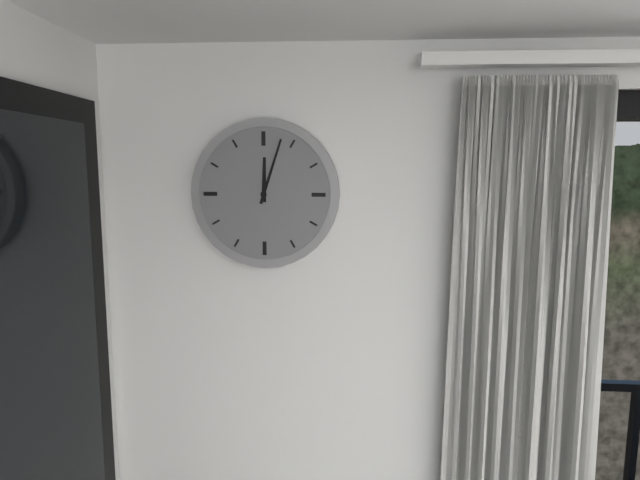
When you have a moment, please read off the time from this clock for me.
12:03
